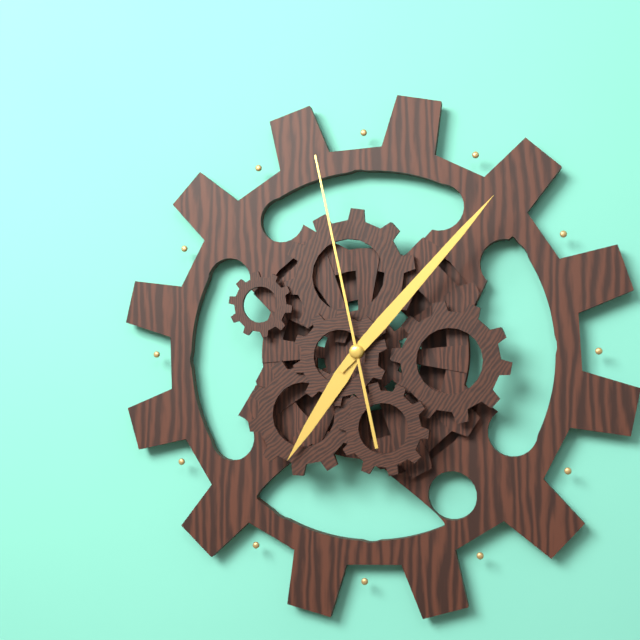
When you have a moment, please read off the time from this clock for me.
7:07:58
